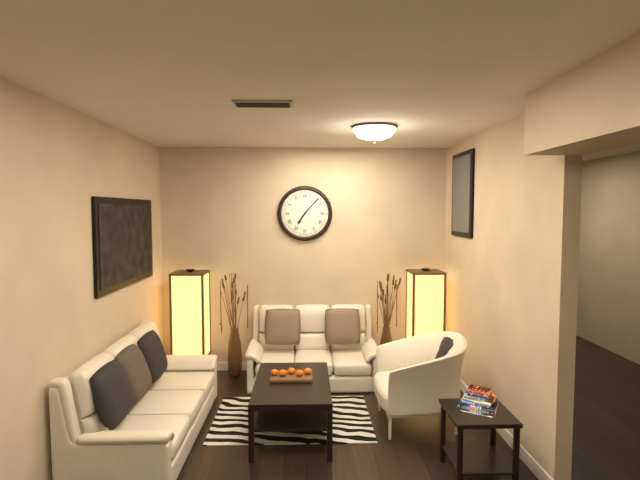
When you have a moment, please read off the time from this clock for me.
7:07
